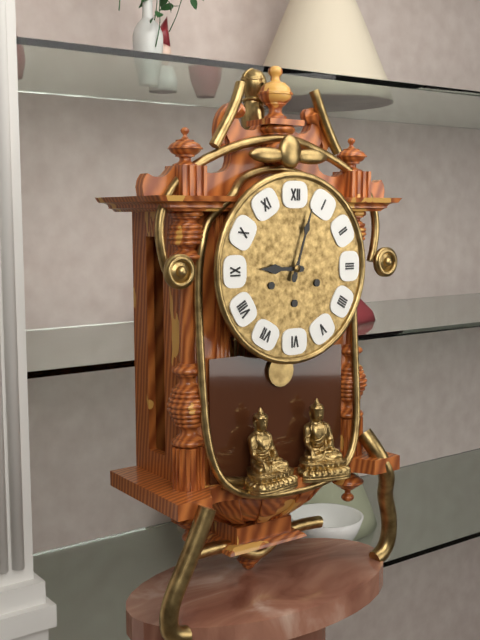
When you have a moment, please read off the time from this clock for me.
9:03
